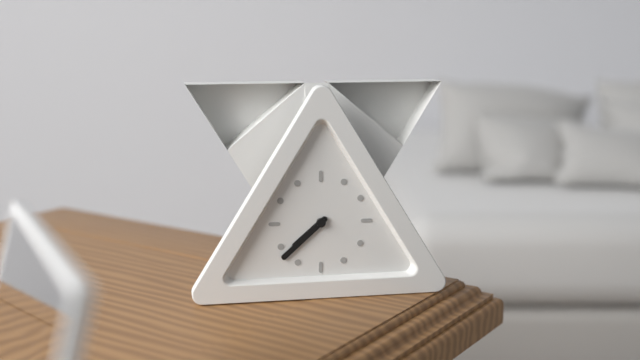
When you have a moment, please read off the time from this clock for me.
7:38
